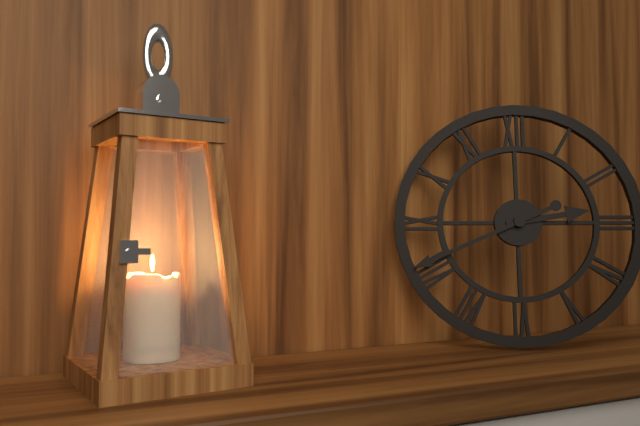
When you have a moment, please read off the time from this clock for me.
2:41
